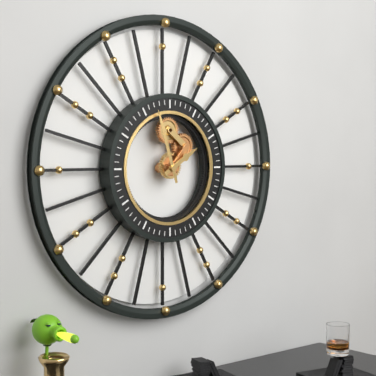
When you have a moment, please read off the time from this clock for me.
1:57
